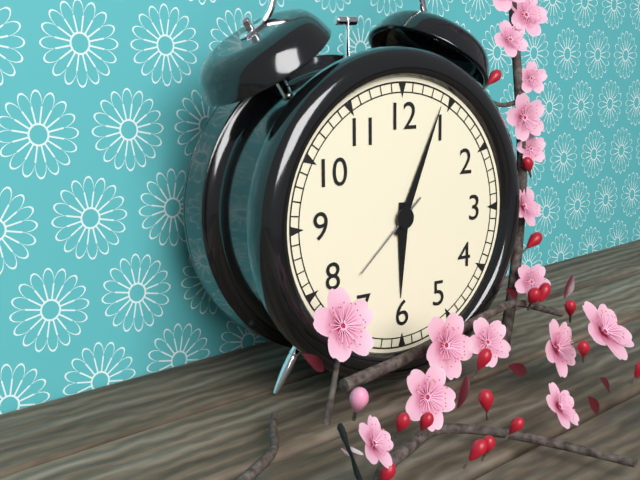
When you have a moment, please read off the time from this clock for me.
6:04:38
